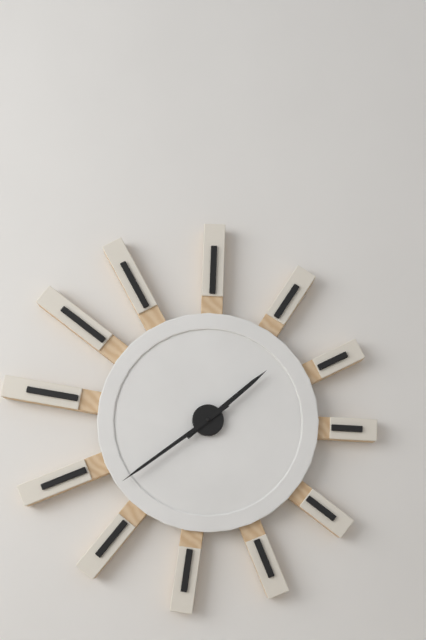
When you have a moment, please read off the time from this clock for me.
1:39
